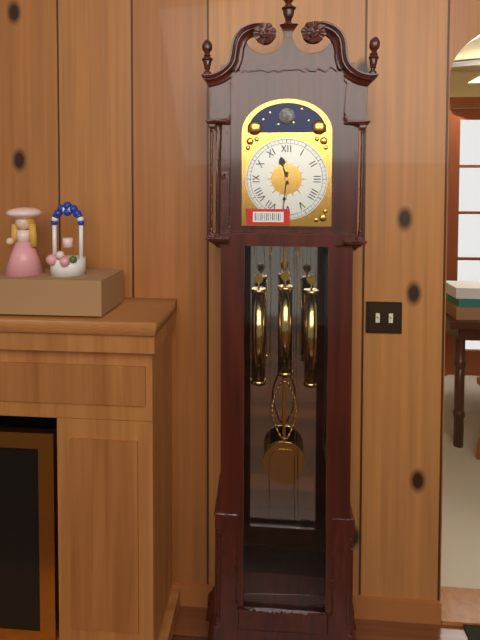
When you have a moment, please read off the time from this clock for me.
11:31
